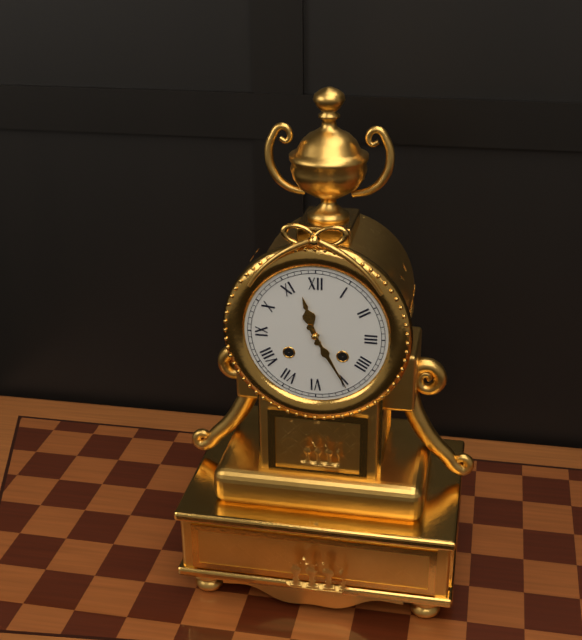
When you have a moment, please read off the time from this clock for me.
11:25
